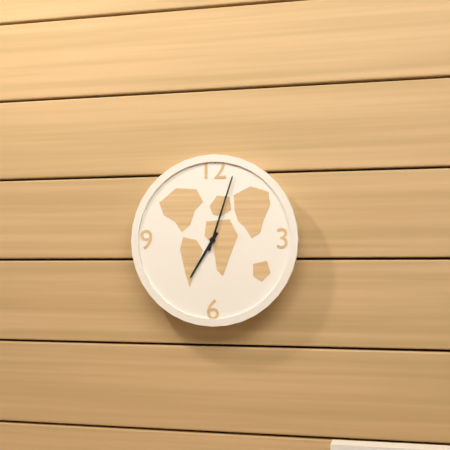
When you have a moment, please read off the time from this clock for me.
7:03
